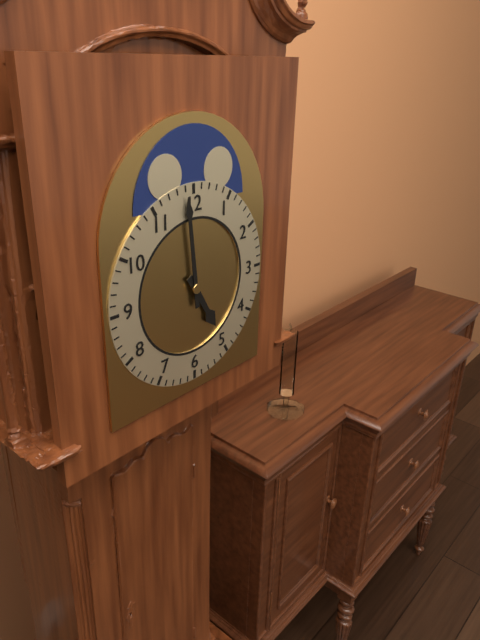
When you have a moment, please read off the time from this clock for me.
4:59
